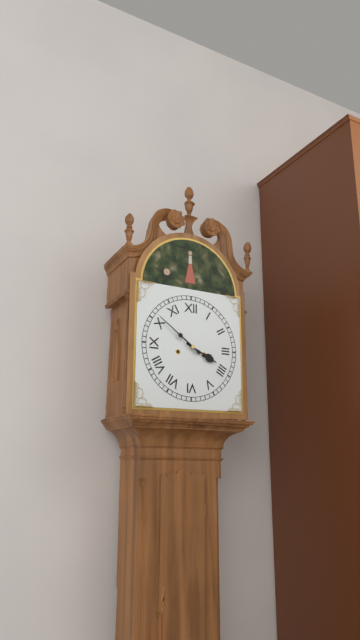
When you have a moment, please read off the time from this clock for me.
3:51
